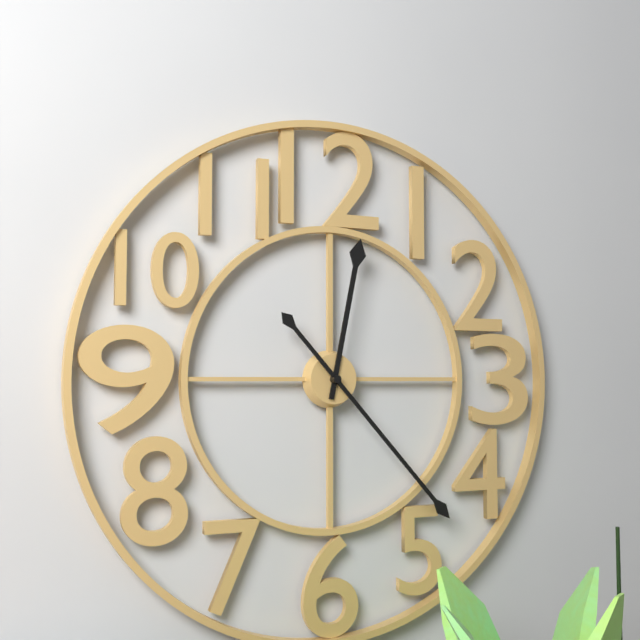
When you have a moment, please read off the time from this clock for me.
12:23
